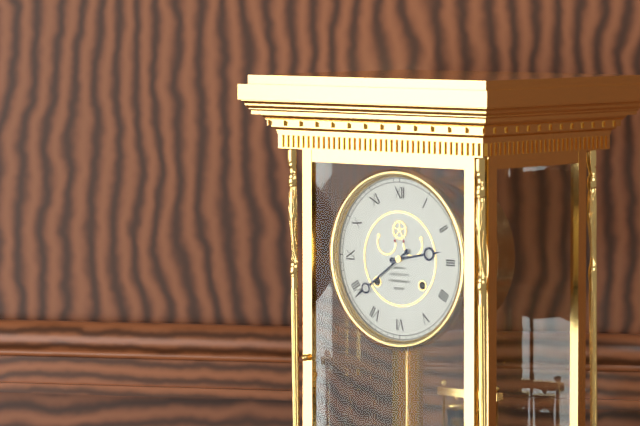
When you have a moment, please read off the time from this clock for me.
2:39
